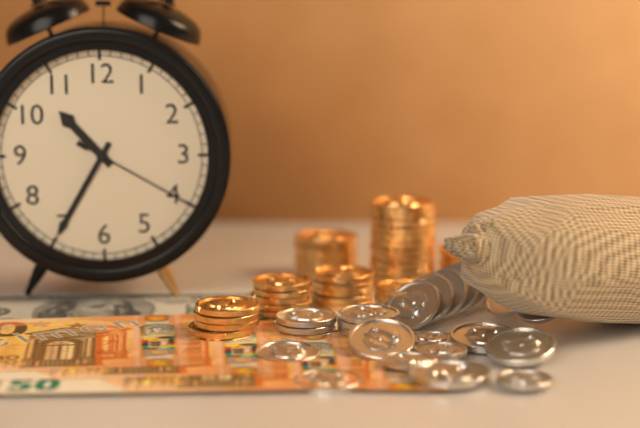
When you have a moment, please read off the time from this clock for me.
10:35:20
